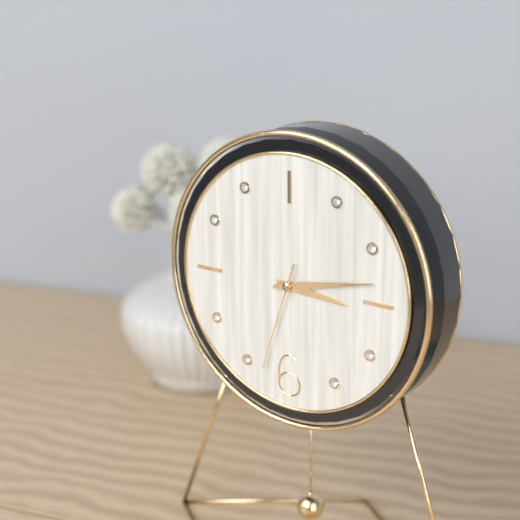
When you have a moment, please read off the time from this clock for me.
3:13:33
